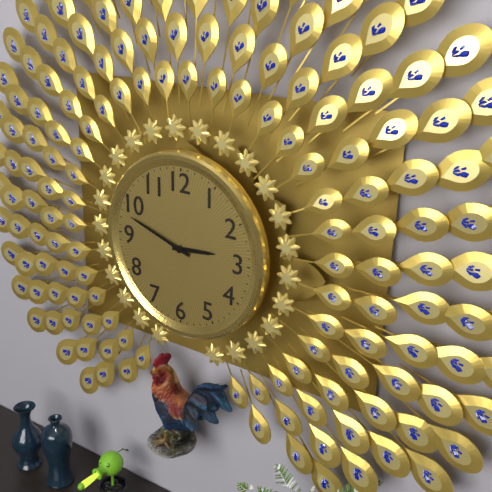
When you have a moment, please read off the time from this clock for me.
2:48
